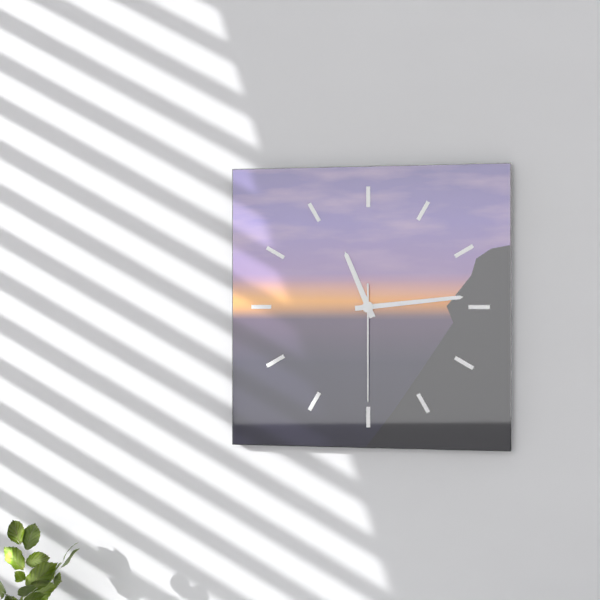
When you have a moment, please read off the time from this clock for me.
11:14:30
